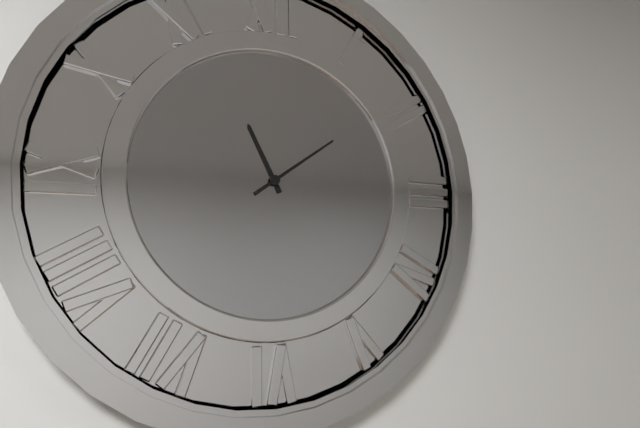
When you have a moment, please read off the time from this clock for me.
11:09
